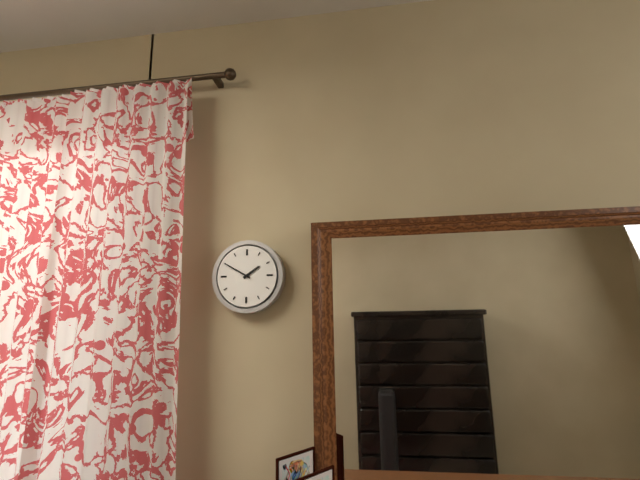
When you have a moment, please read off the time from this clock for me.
1:50
